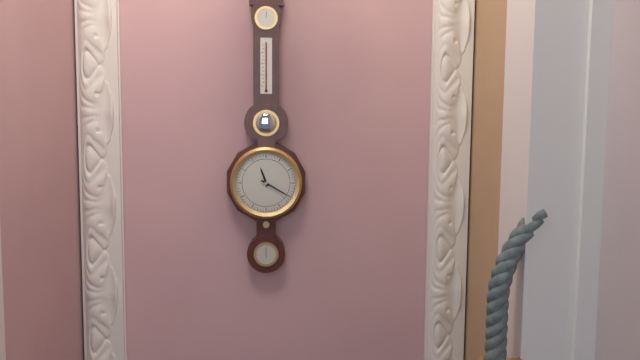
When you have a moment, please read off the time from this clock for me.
11:20
